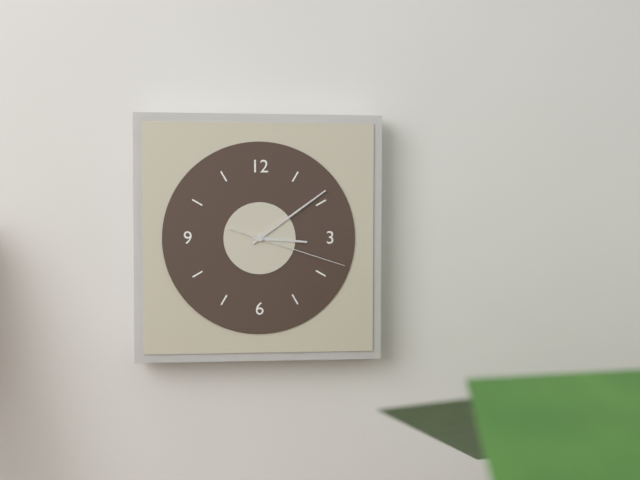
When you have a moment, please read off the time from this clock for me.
3:09:18
